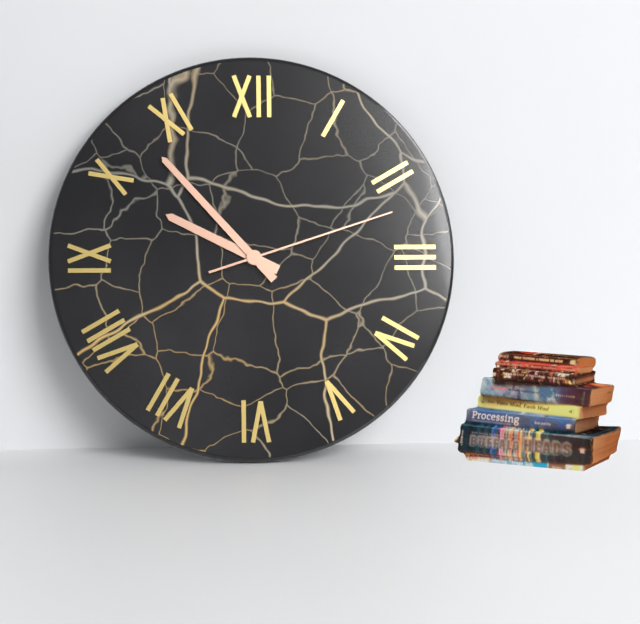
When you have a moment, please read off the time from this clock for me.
9:53:12
